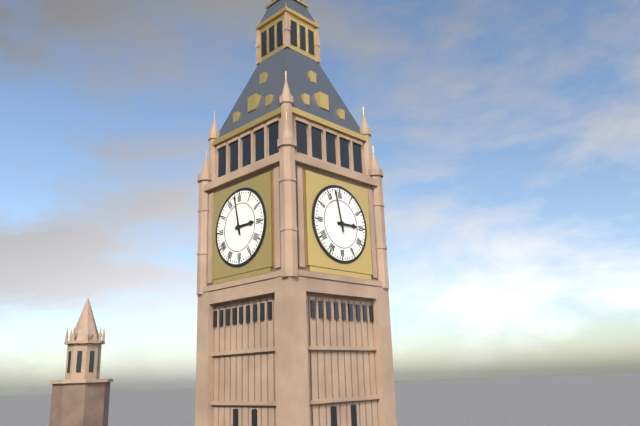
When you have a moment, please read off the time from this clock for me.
2:58
